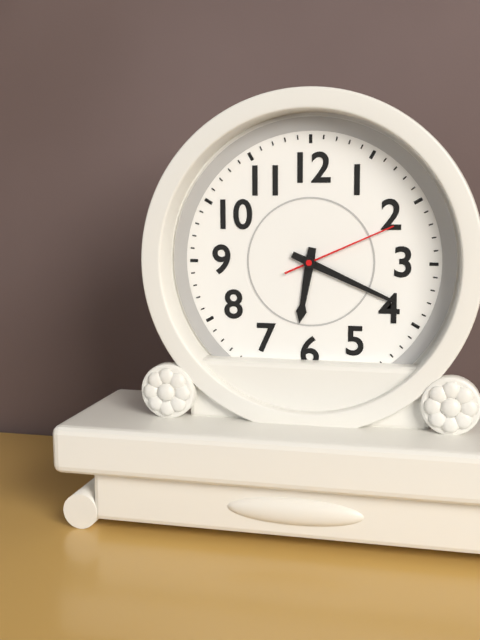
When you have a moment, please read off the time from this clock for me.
6:19:11
